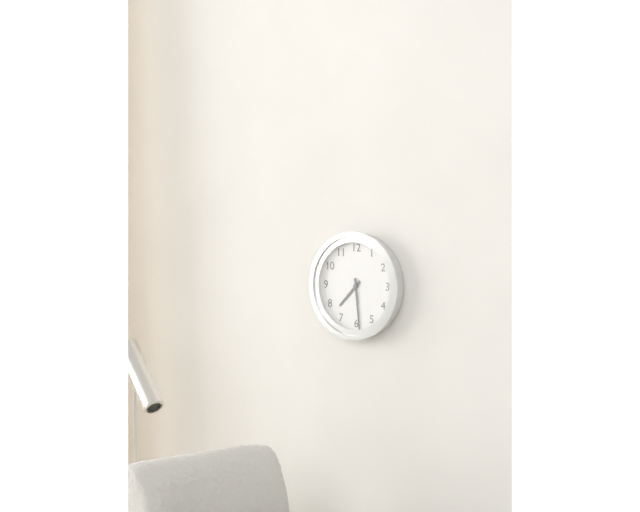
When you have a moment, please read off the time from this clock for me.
7:29
